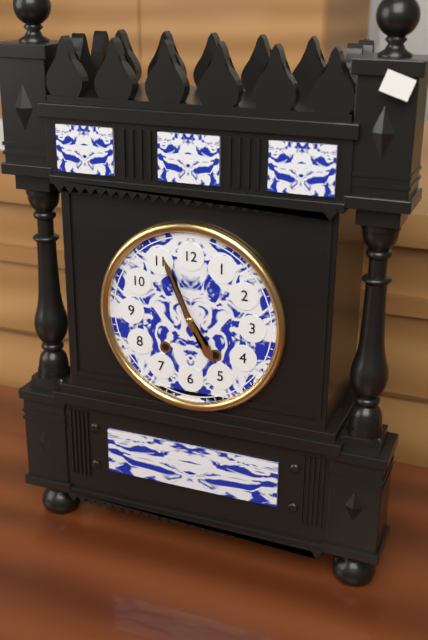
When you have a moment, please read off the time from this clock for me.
4:56
